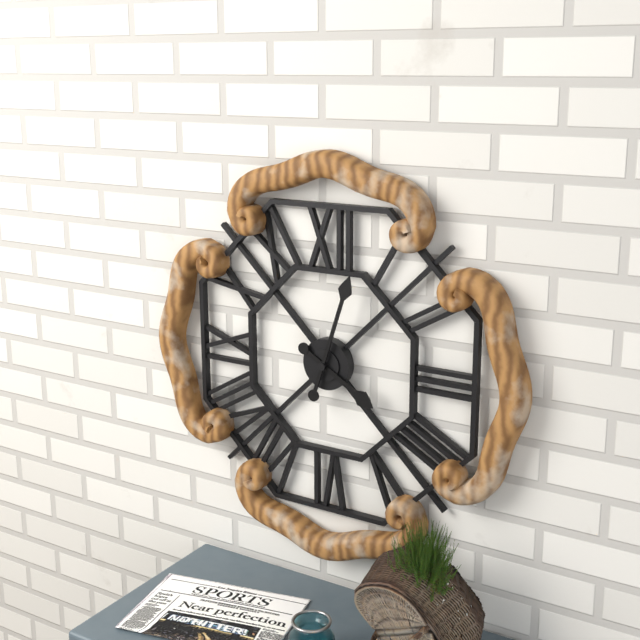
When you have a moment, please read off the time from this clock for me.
4:03
